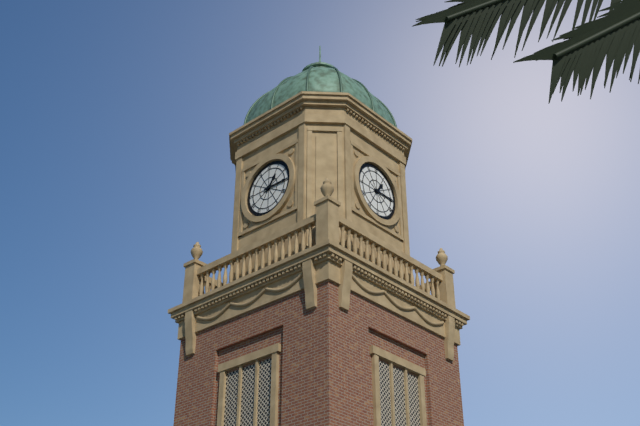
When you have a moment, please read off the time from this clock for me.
1:15
